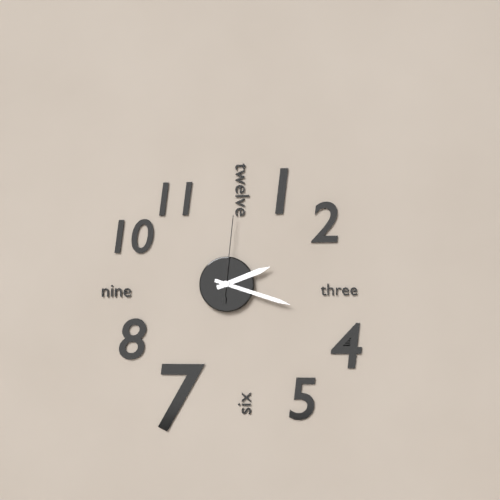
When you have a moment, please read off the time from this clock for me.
2:18:01
